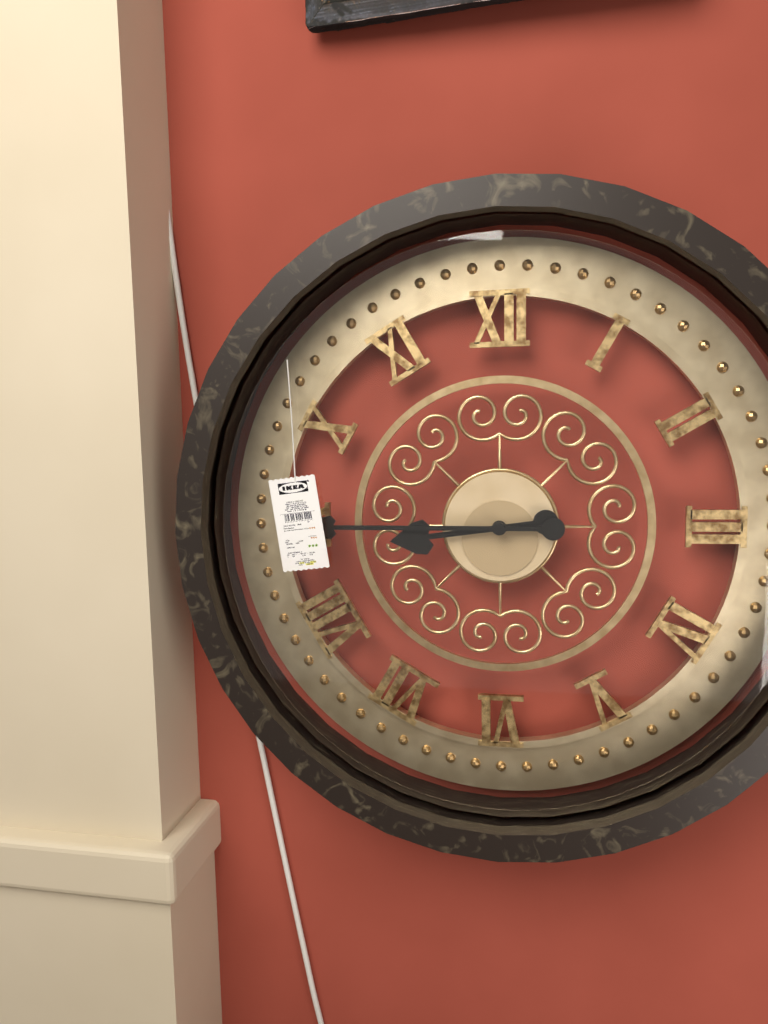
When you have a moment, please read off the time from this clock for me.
8:45
